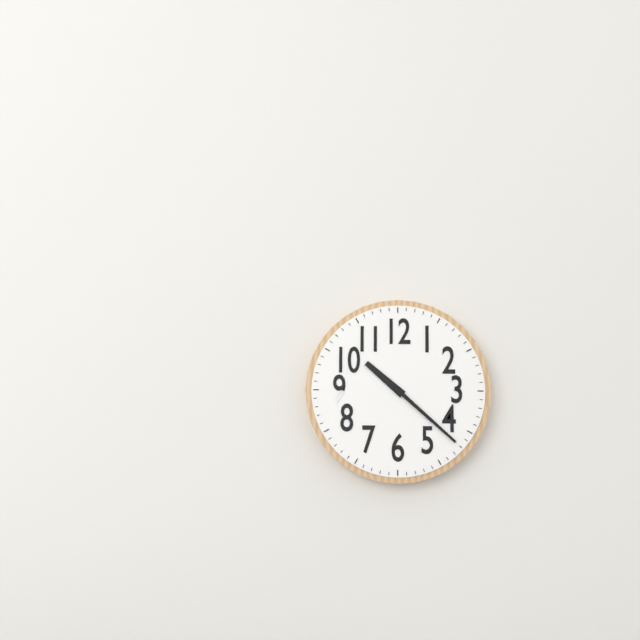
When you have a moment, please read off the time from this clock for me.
10:22
